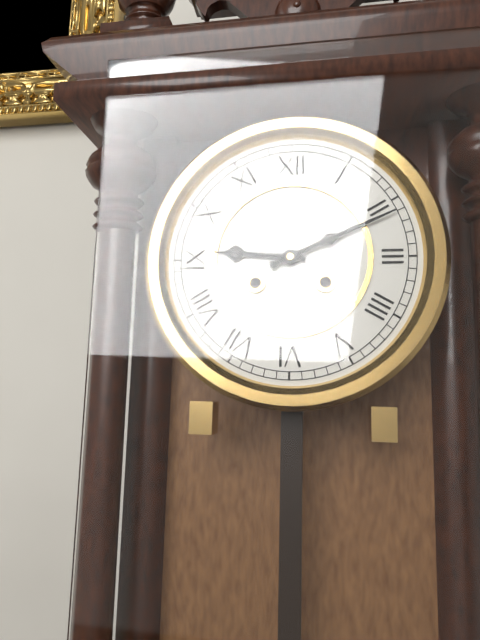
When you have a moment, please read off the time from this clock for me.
9:11
